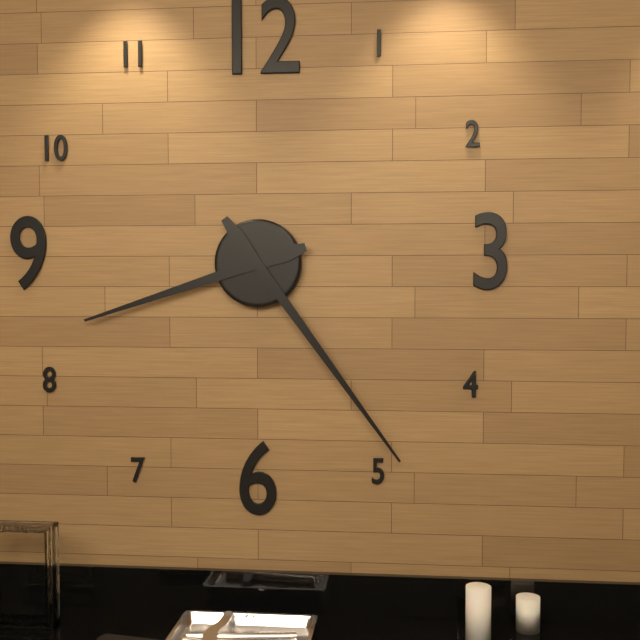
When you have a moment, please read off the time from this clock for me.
8:24
